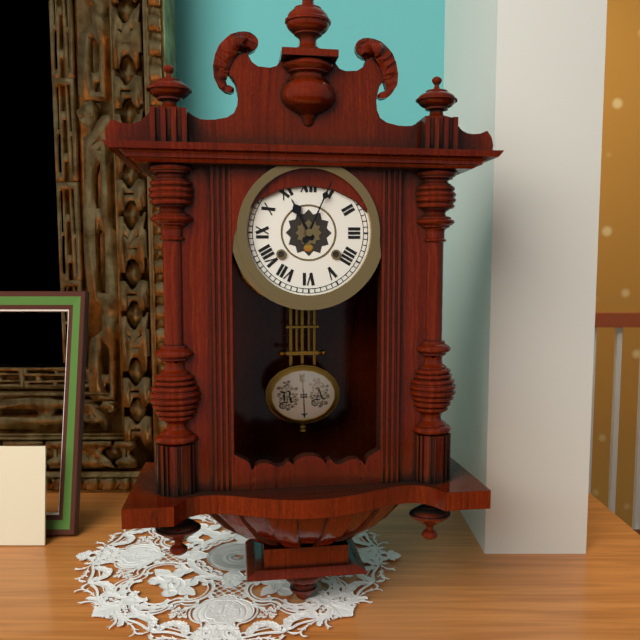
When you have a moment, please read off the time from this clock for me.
11:04
